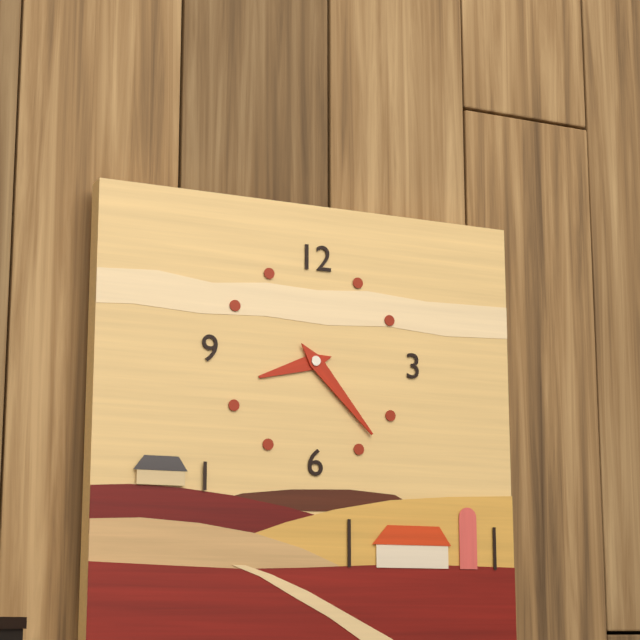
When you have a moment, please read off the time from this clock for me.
8:23
